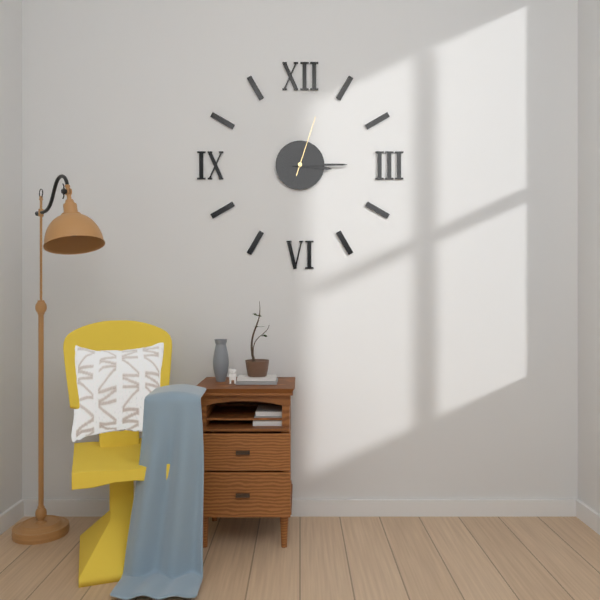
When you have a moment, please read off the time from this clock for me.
3:15:03
